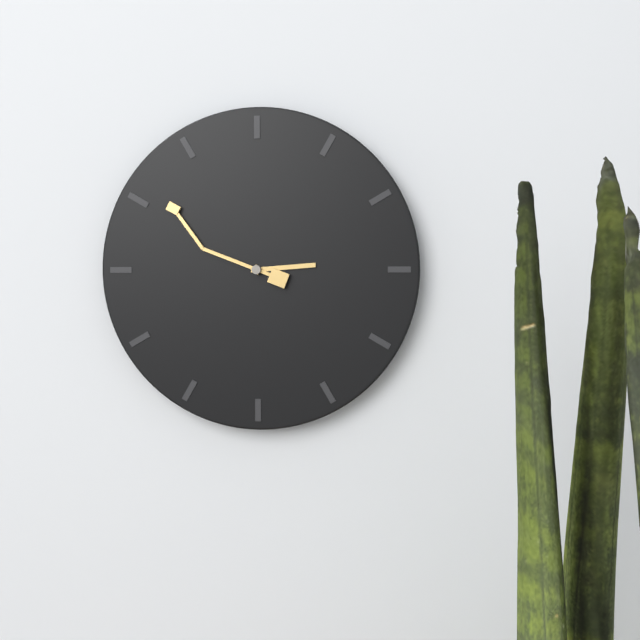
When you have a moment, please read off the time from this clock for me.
2:51
